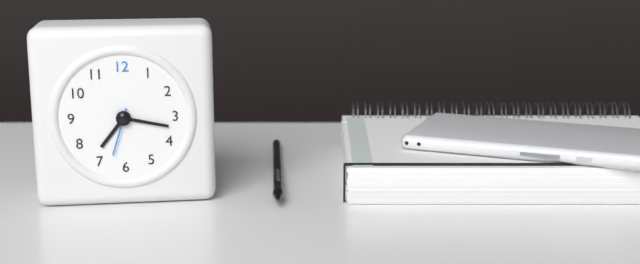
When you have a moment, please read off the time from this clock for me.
7:17
